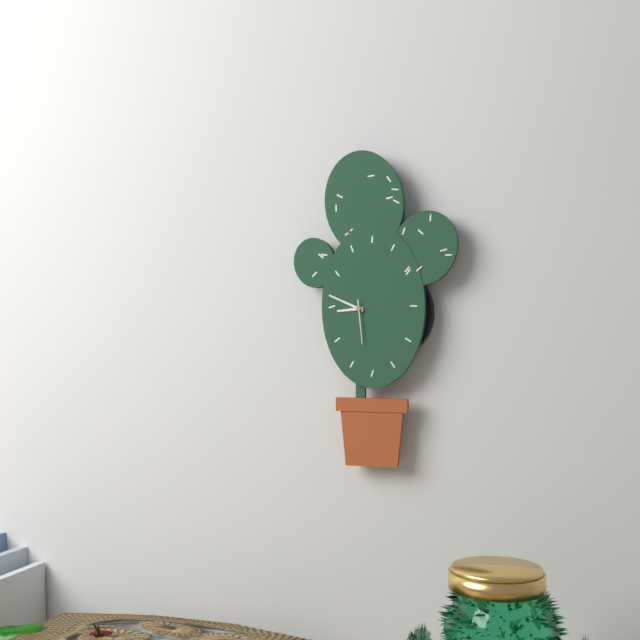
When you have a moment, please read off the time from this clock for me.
8:49
